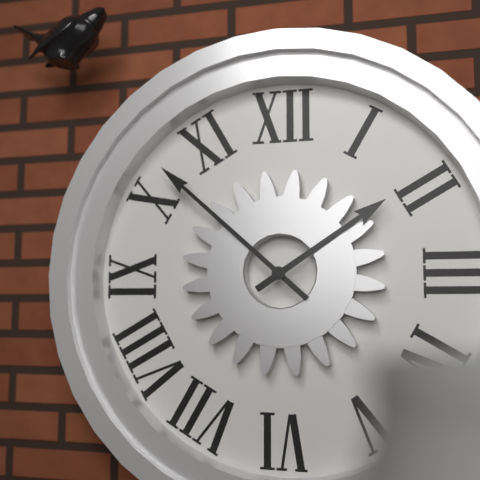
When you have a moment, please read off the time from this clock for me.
1:52
